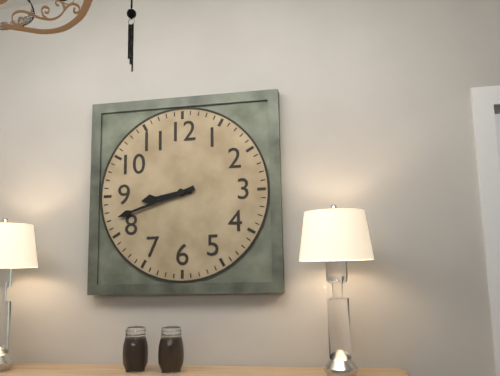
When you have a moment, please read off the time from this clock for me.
8:42
